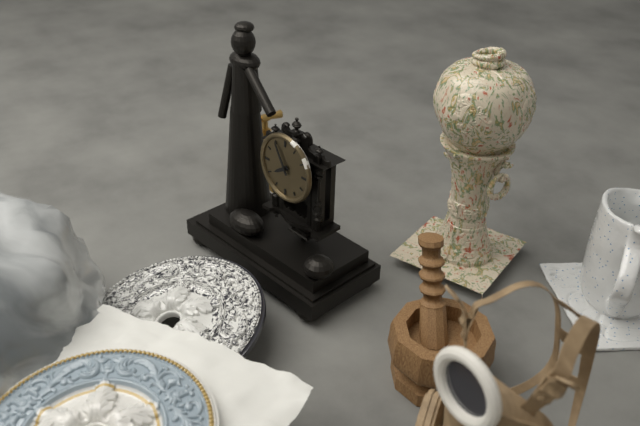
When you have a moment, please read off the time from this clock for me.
7:55
